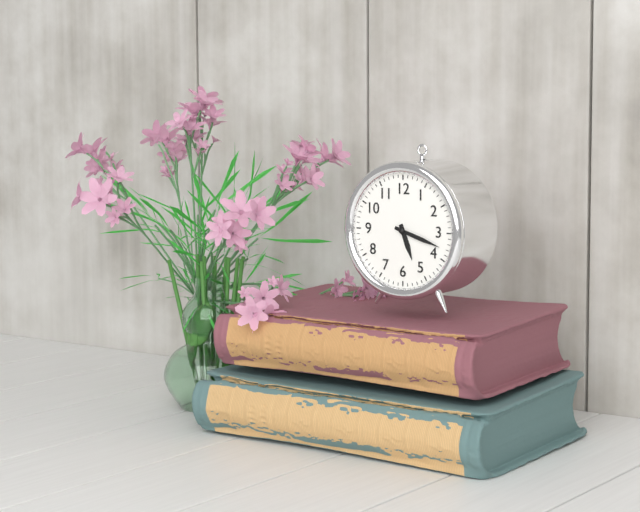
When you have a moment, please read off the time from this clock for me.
5:18
